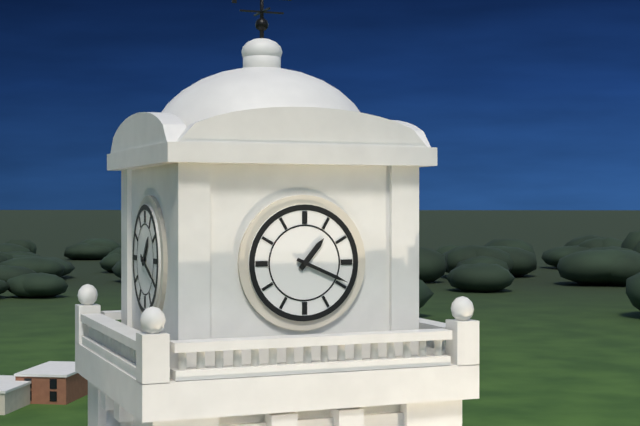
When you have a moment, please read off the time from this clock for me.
1:19
